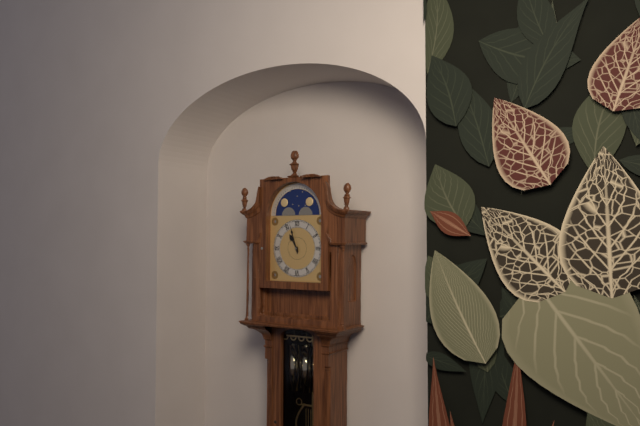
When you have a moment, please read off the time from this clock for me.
10:57
